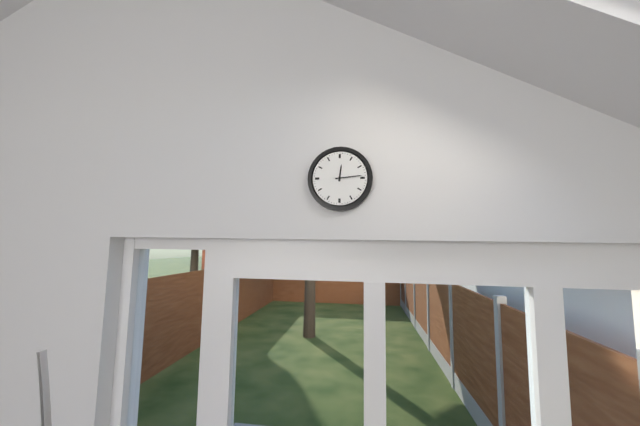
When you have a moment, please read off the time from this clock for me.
12:14
